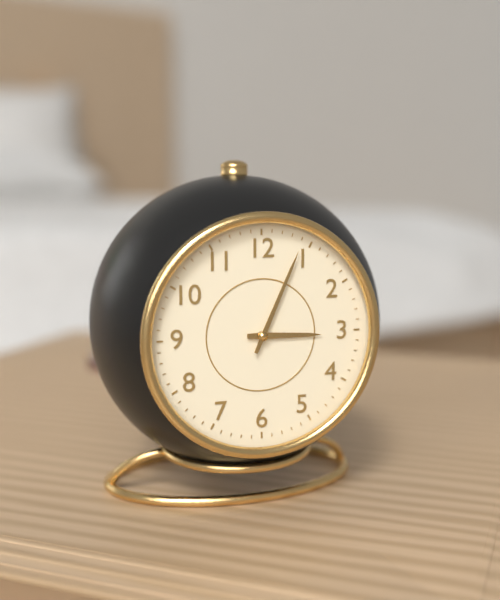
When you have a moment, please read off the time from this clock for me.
3:04
